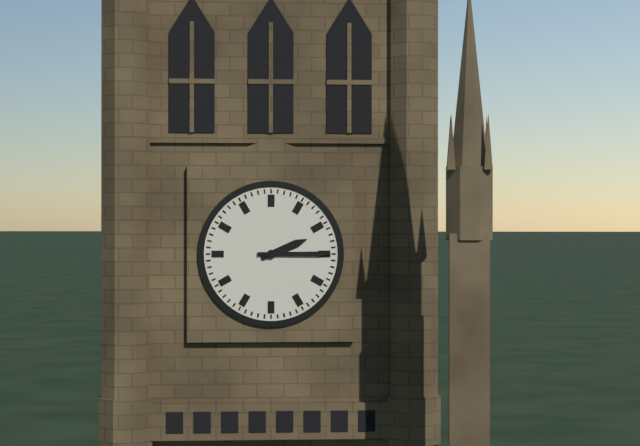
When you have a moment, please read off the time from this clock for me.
2:15
